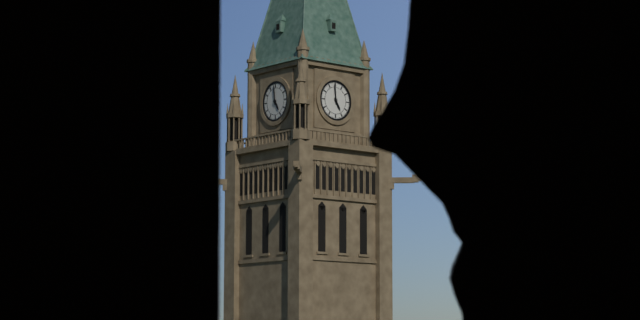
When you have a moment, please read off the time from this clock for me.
4:59
